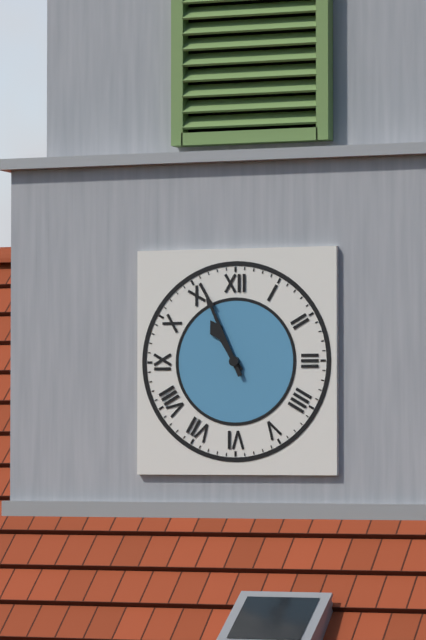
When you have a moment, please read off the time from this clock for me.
10:56
